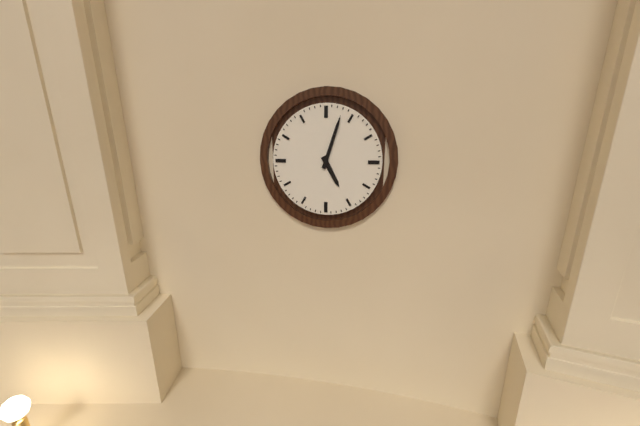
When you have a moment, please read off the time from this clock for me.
5:03
